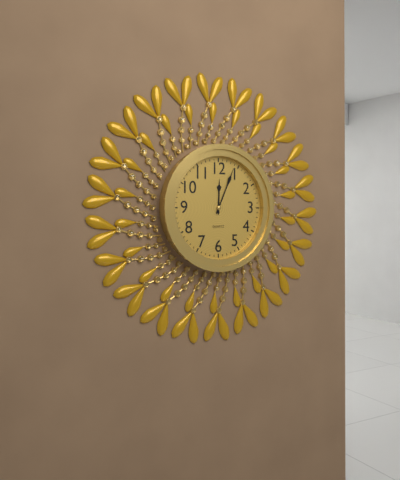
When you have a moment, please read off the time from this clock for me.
12:04
